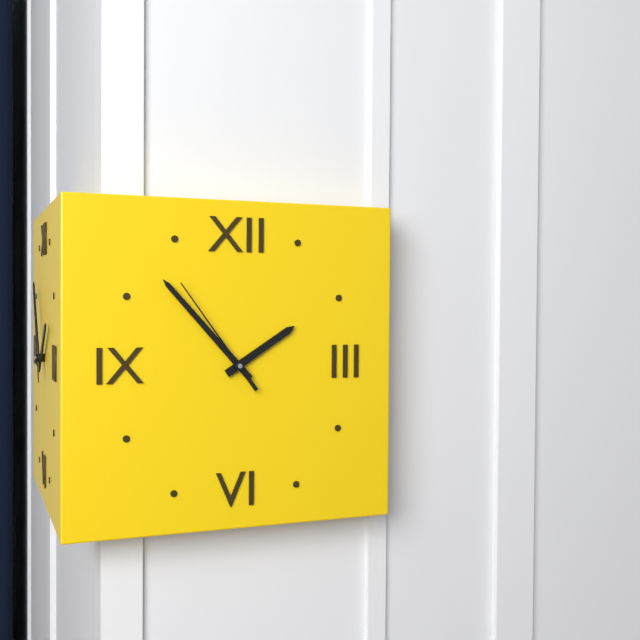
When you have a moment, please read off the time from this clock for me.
1:53:54
